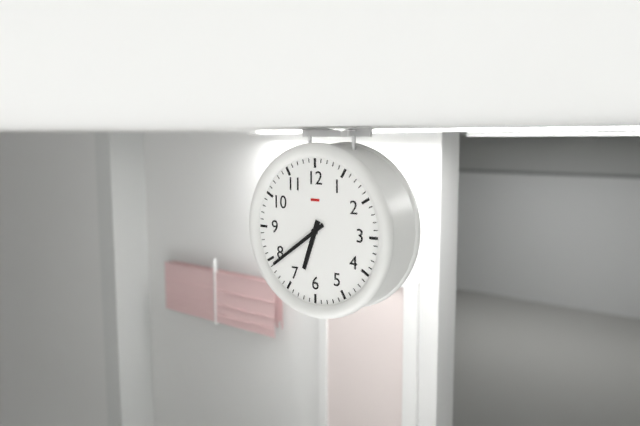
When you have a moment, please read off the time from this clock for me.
6:39
